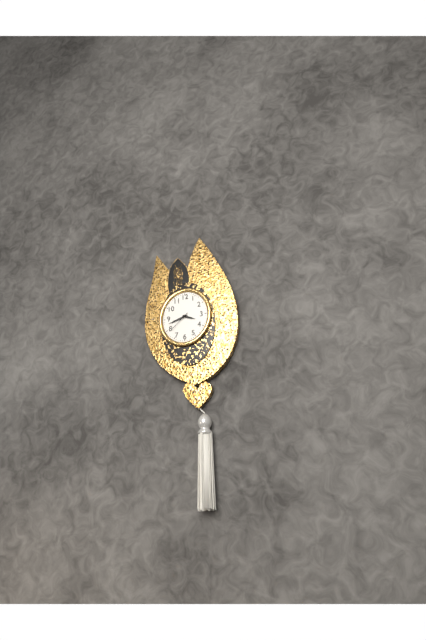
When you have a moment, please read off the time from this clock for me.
3:42
